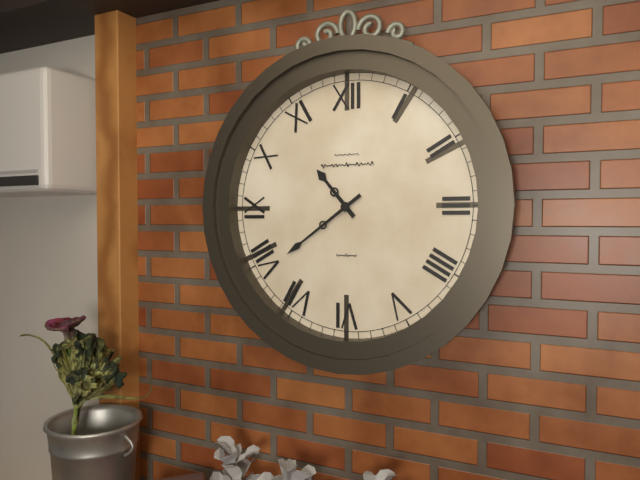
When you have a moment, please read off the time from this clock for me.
10:39
